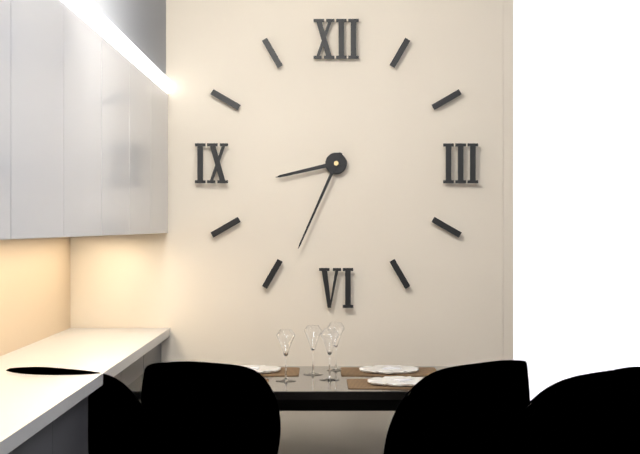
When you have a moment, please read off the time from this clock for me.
8:34
